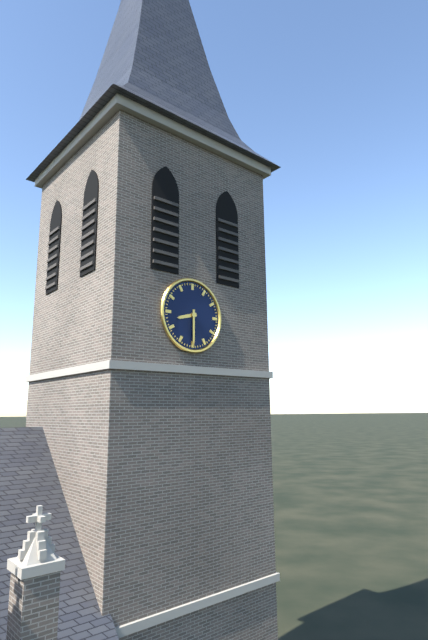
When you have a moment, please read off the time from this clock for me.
8:30
